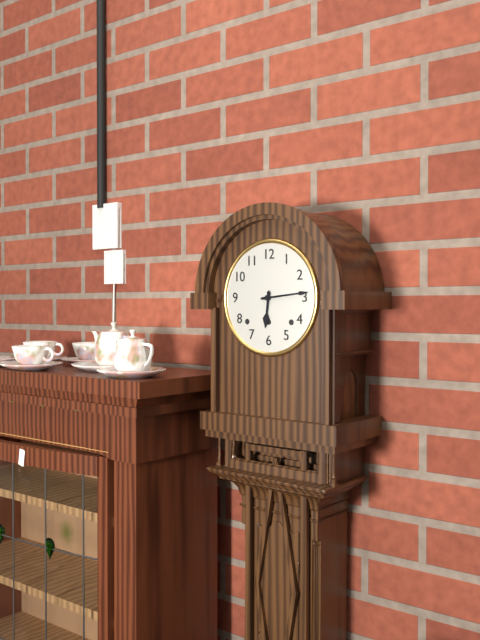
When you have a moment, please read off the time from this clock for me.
6:14
